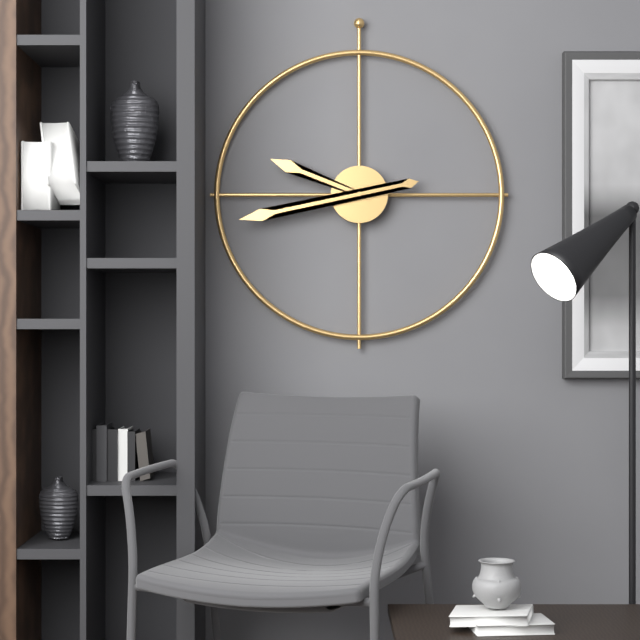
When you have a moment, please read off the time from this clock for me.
9:43
